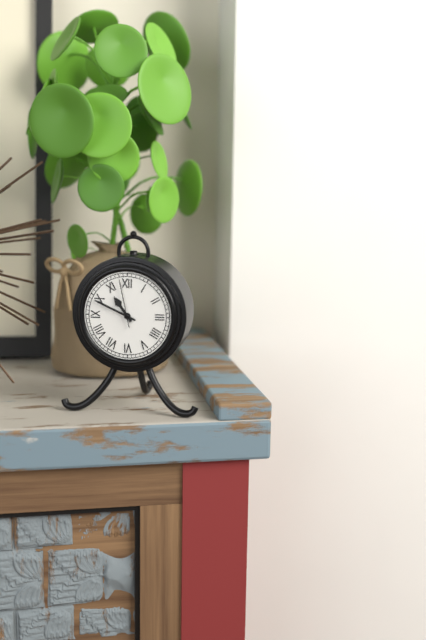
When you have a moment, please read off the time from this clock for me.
10:49
